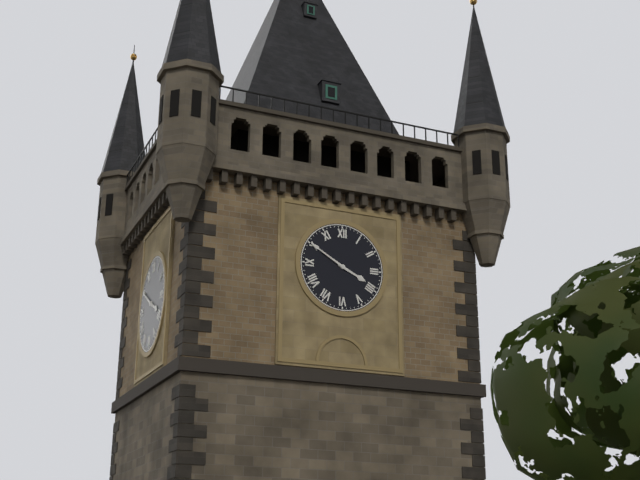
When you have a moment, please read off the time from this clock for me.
3:50
